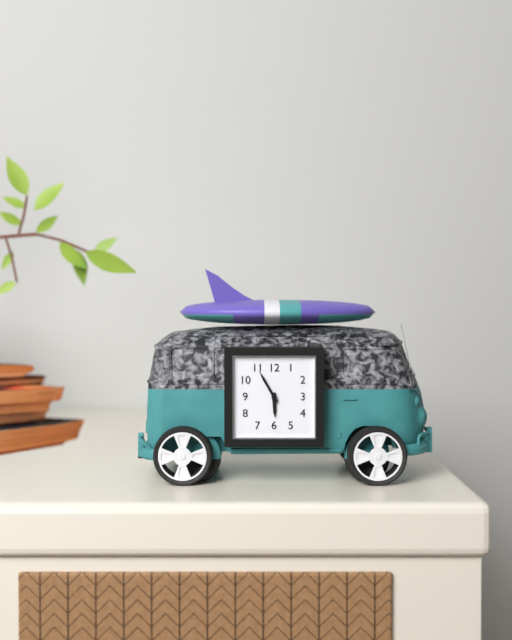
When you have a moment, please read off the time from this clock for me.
5:55
